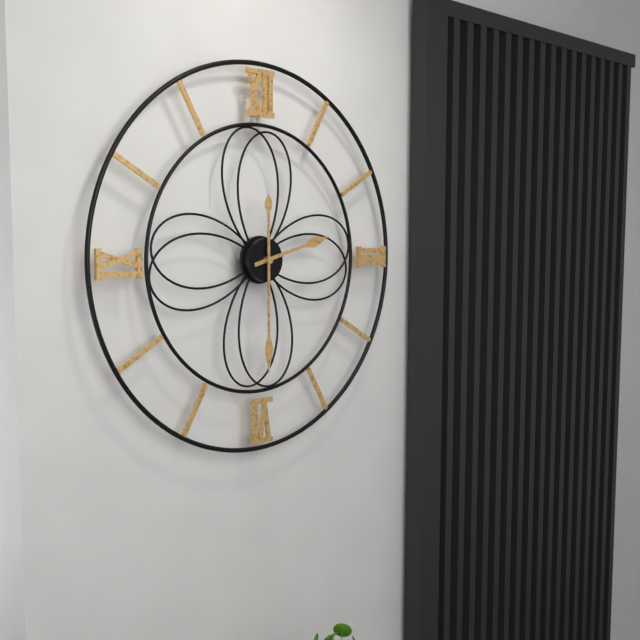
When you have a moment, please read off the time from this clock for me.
2:30
